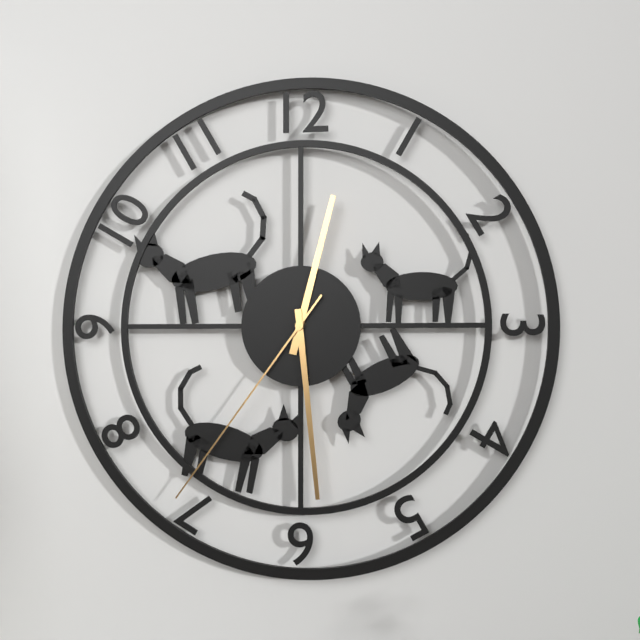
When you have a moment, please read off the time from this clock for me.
12:29:36
